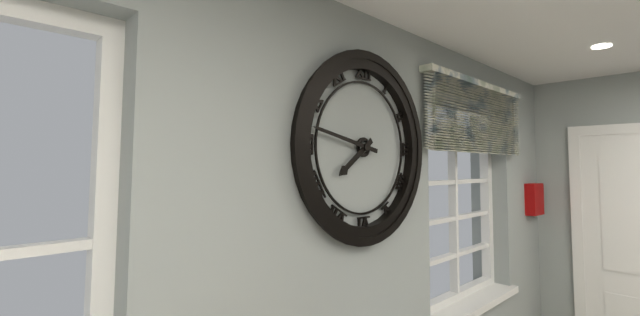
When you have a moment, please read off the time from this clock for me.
7:47
